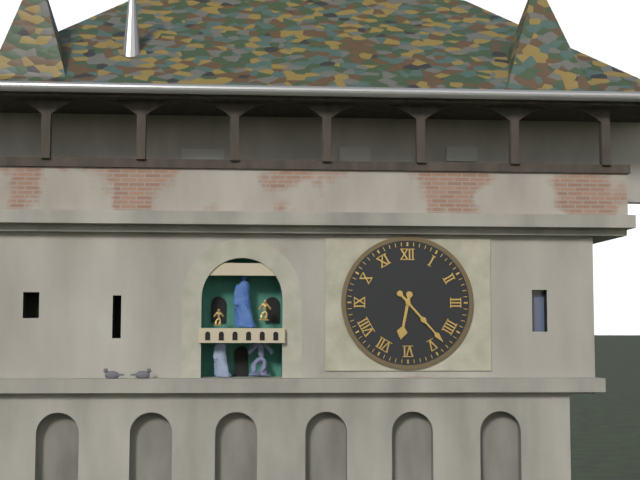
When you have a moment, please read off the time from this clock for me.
6:23
